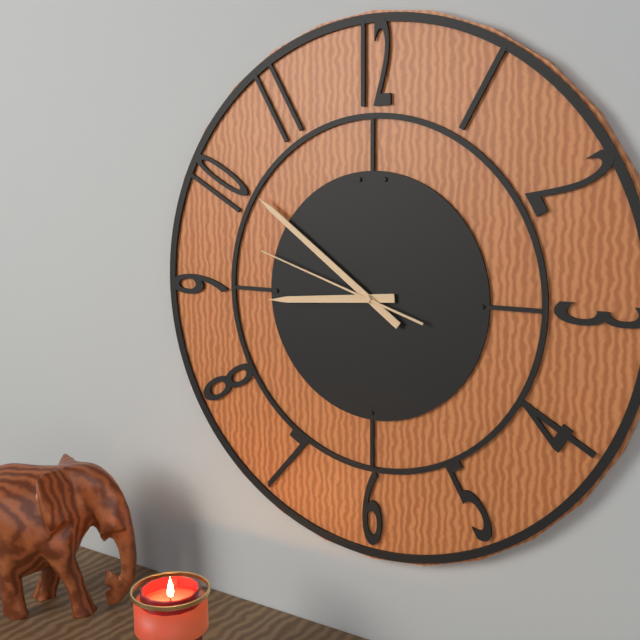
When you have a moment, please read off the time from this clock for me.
8:51:48
